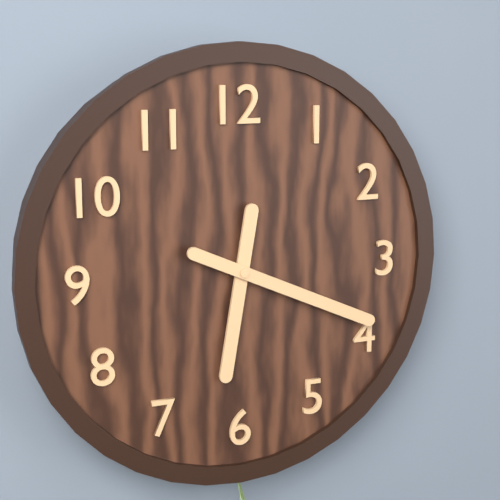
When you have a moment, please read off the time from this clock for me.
6:19
